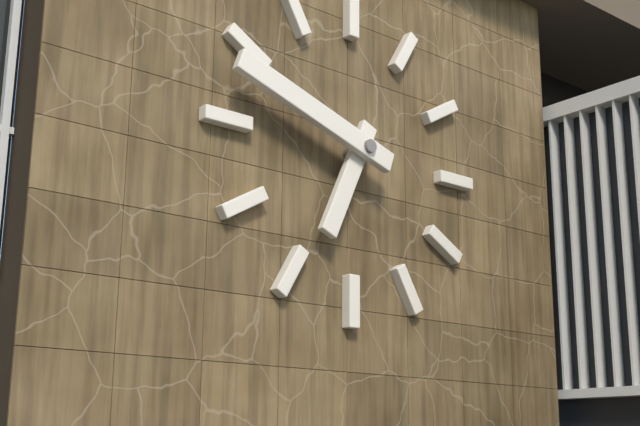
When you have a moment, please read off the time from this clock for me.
6:48
